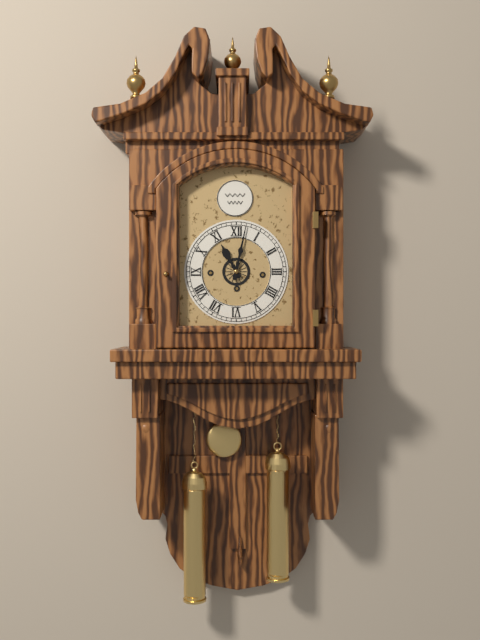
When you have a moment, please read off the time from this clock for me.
11:02
